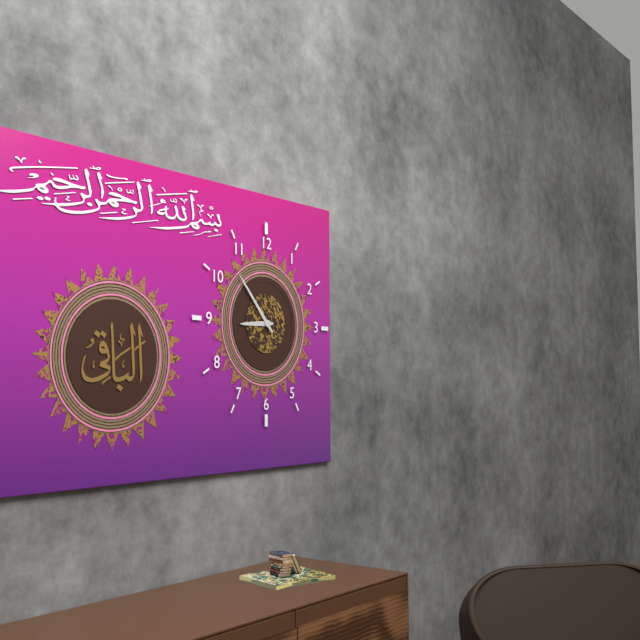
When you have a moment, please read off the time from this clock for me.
8:53
